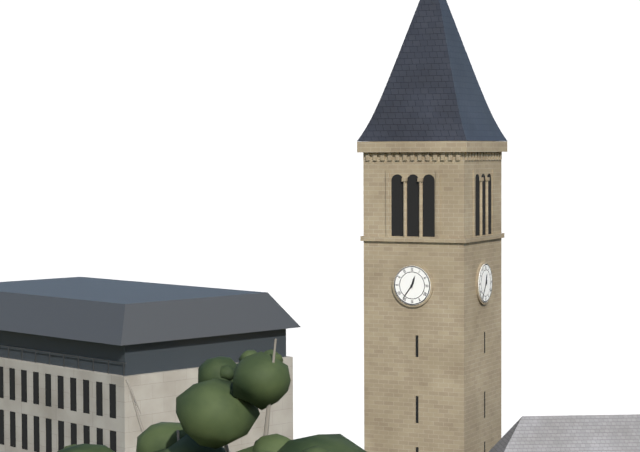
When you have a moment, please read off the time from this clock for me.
12:36
